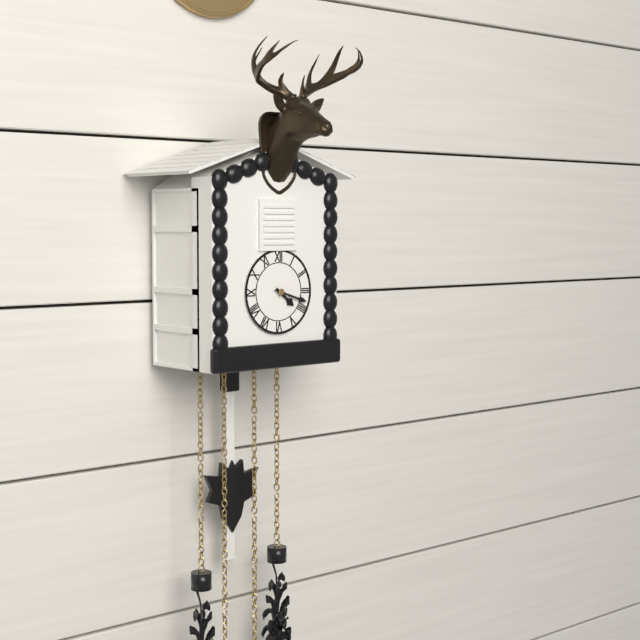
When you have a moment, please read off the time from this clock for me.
4:18
